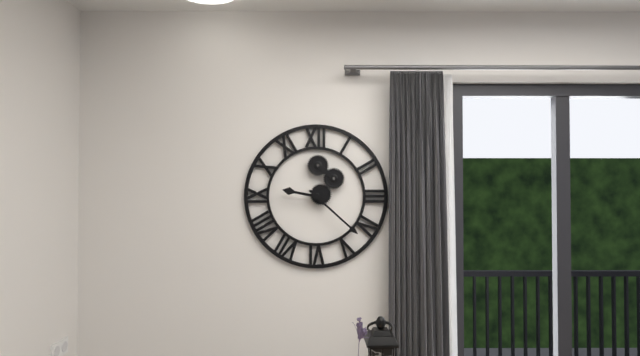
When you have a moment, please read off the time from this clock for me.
9:22
